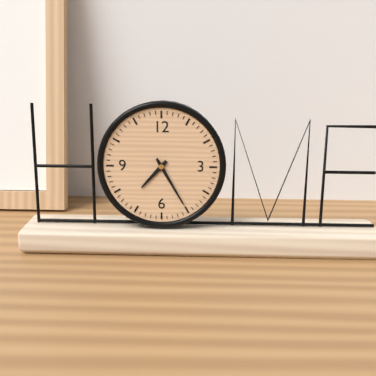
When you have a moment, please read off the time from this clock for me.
7:25
